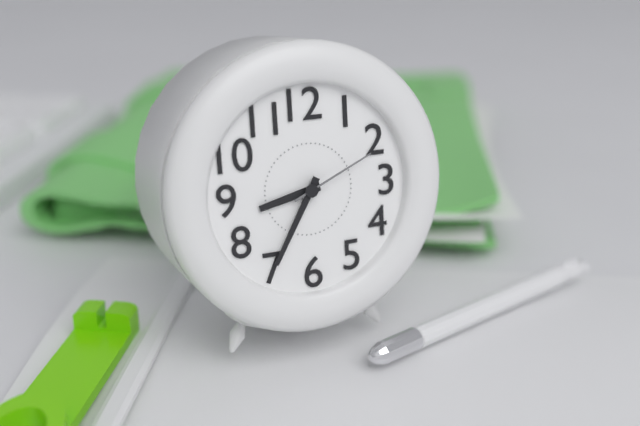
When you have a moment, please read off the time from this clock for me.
8:35:11
